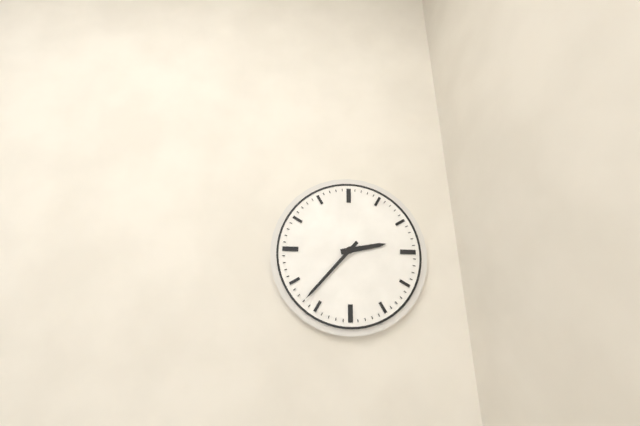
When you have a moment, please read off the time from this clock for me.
2:37
